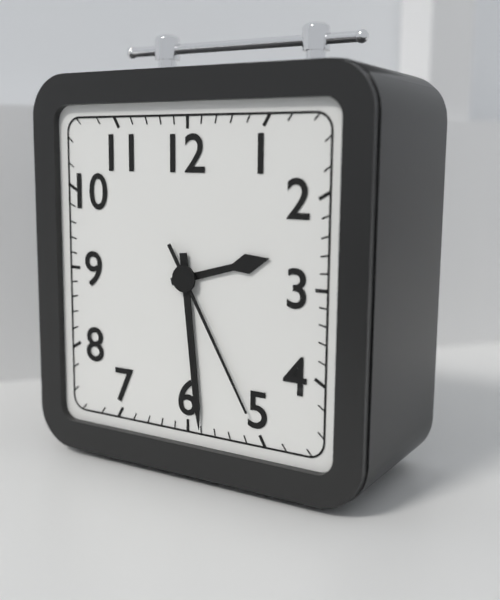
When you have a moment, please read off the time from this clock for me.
2:29:25
